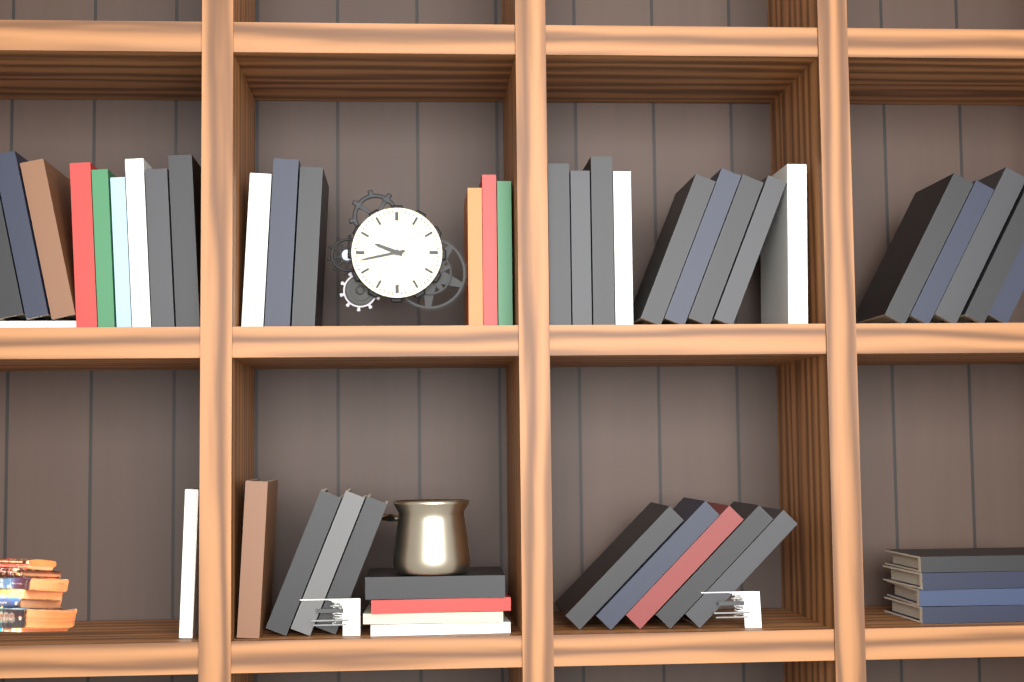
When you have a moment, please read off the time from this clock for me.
9:43
